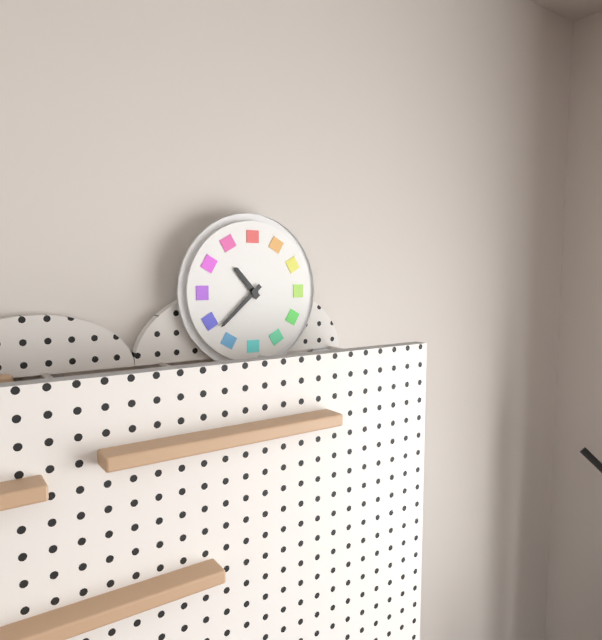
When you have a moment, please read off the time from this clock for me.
10:38
